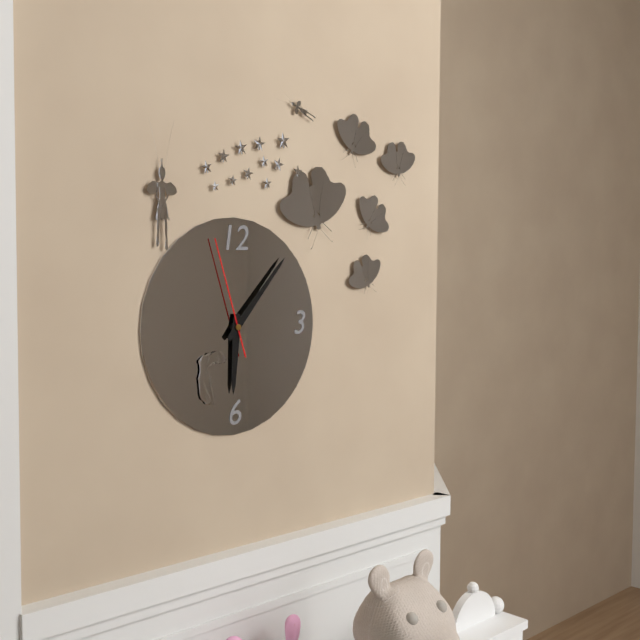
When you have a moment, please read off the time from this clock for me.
6:07:57
